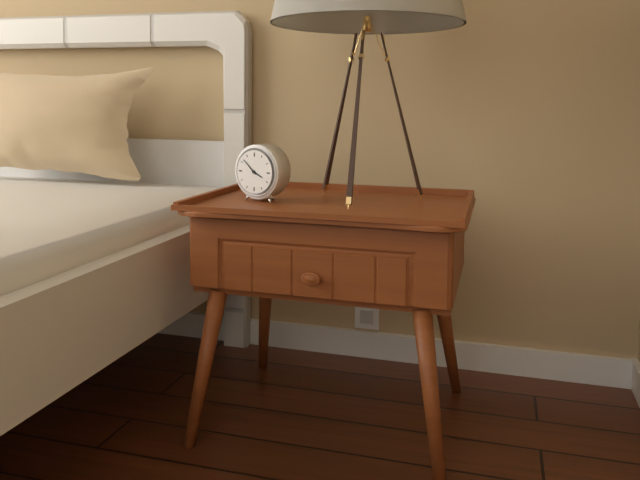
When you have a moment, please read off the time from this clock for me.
3:52
